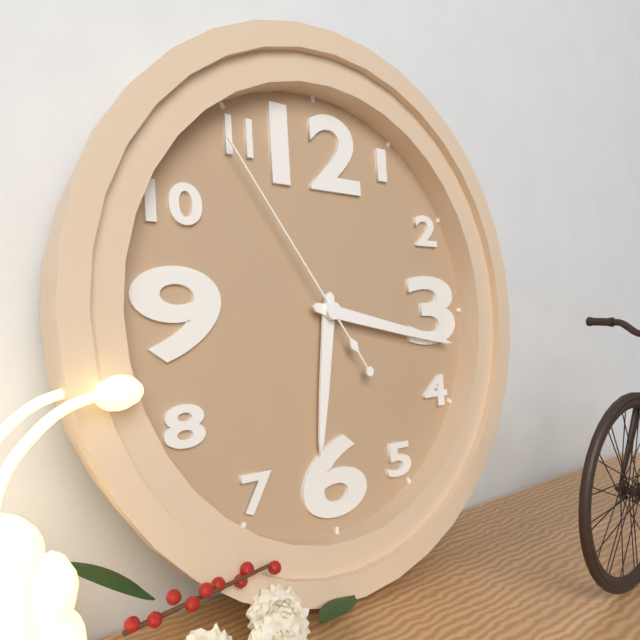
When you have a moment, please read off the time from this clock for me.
6:17:54
